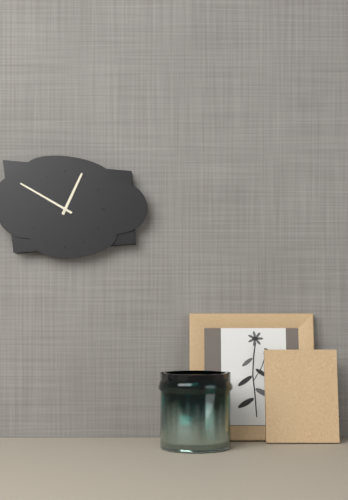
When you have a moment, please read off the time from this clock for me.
12:50
